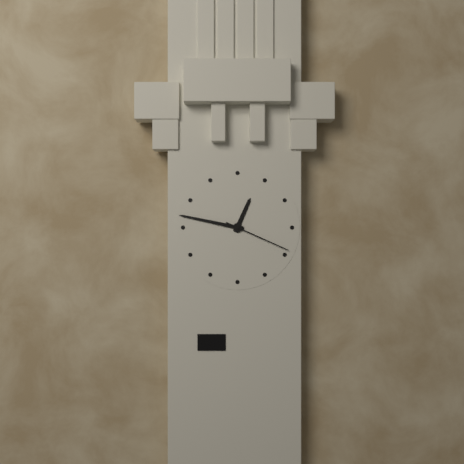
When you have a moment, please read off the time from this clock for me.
12:47:19
